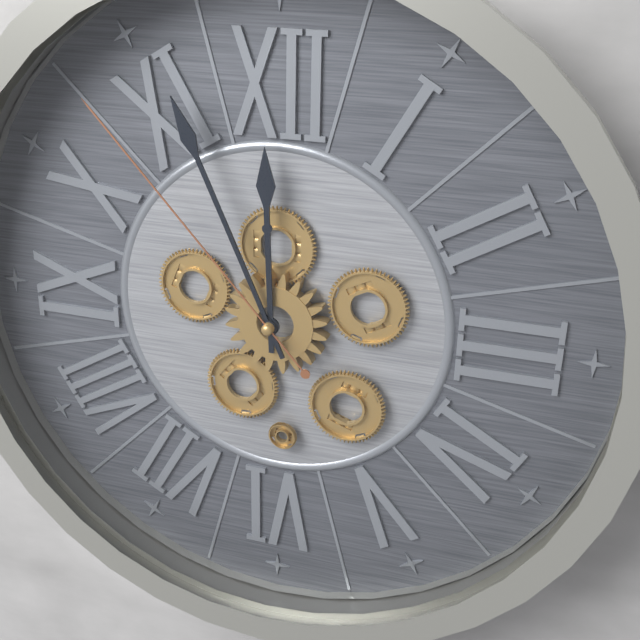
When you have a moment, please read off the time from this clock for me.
11:56:53
